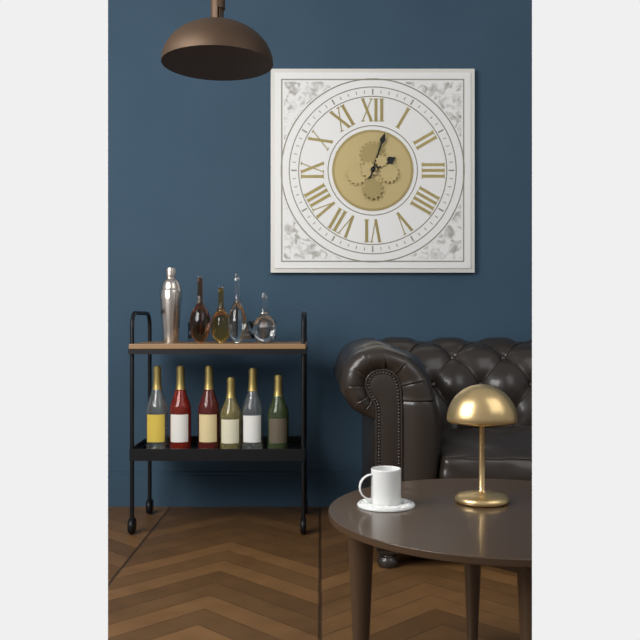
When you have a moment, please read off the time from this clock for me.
2:03
